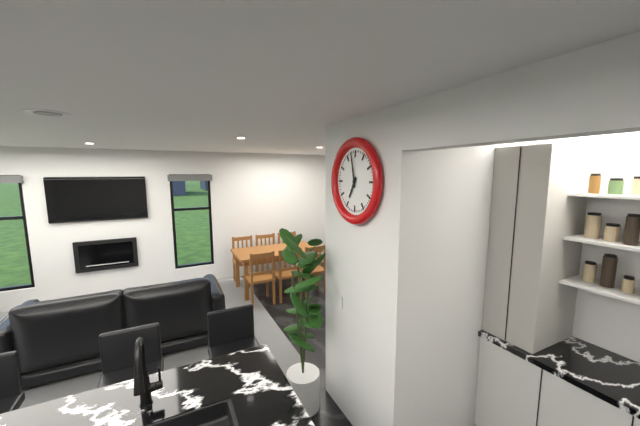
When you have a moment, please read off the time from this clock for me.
6:58
